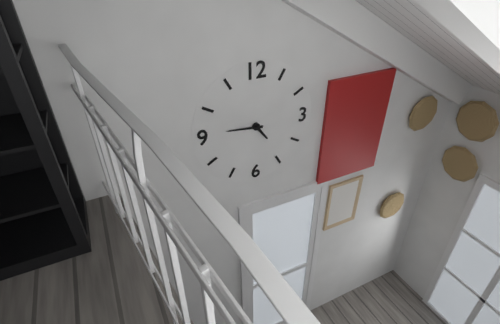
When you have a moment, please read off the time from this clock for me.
4:46
